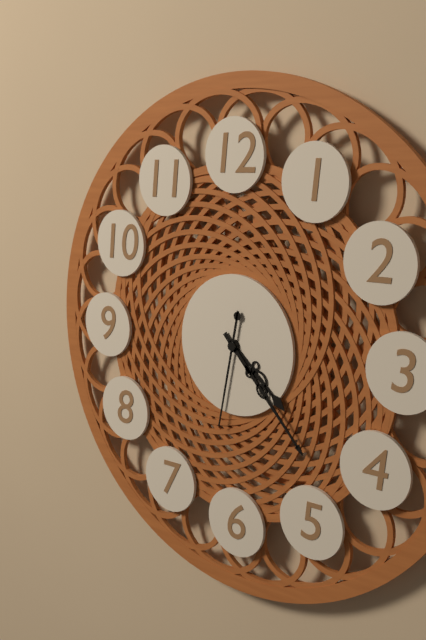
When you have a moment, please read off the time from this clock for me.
4:23:32
